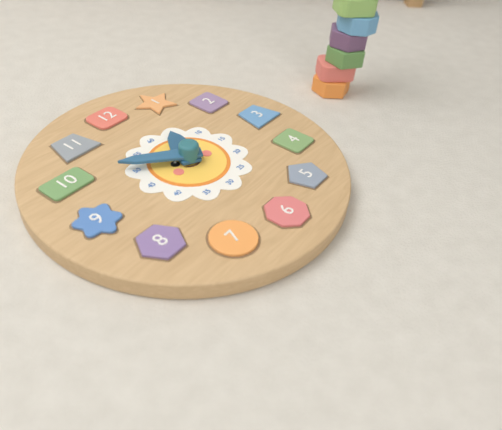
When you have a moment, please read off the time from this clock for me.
12:51
